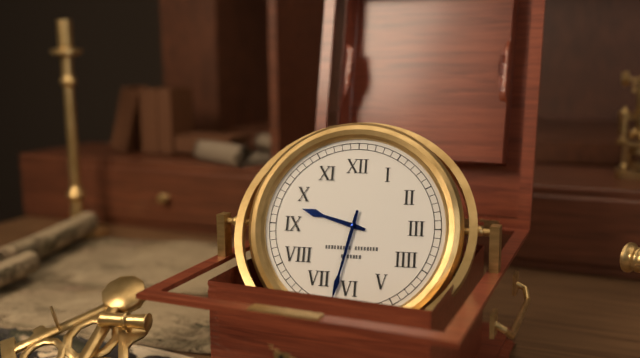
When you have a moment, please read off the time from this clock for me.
9:32
